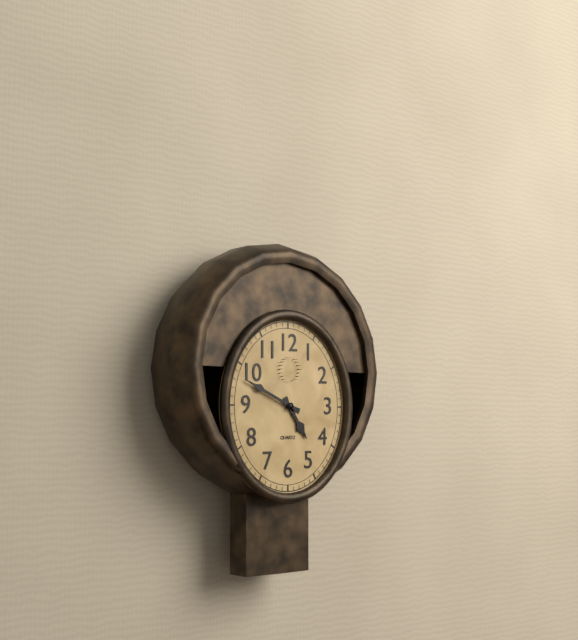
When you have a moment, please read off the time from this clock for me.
4:49
